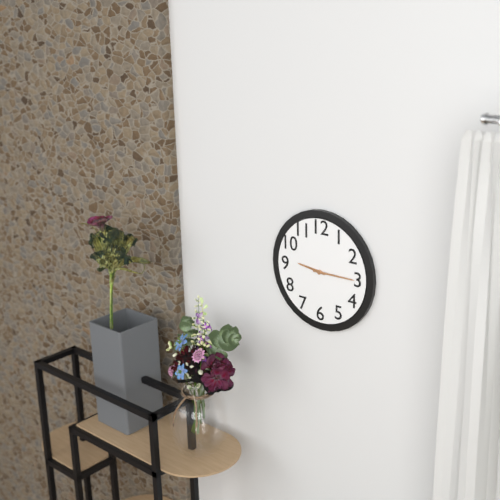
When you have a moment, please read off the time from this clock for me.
9:15
